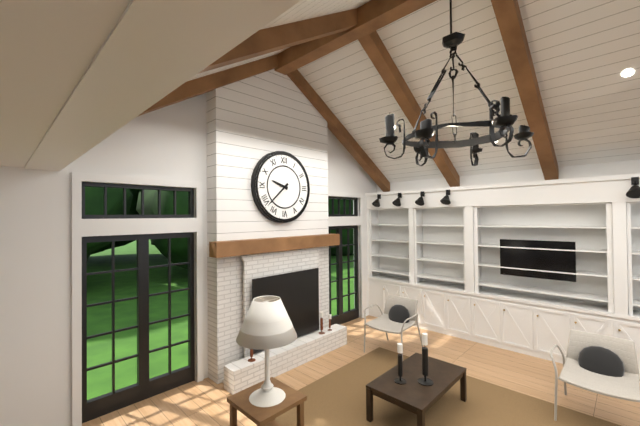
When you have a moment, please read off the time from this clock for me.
9:38
